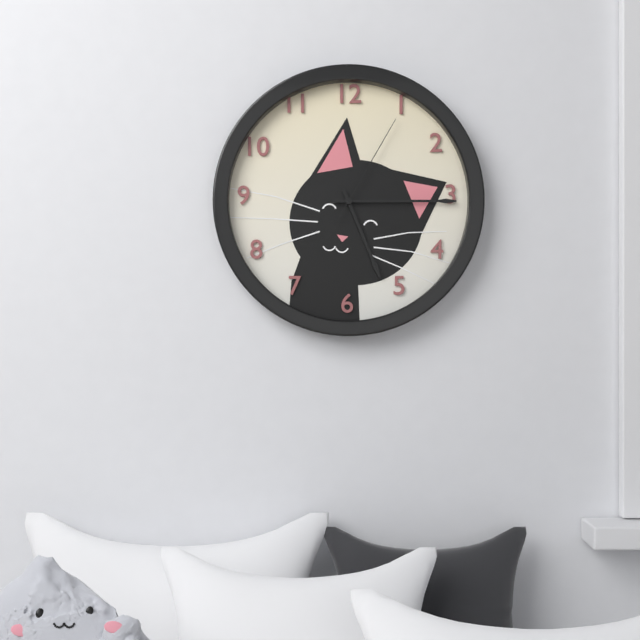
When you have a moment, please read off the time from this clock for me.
5:15:05
